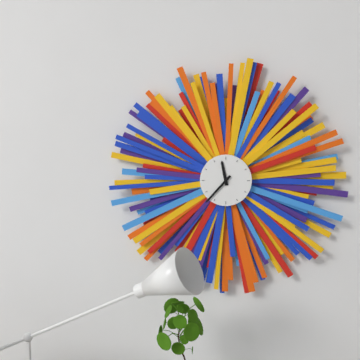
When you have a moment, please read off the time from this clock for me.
11:37
